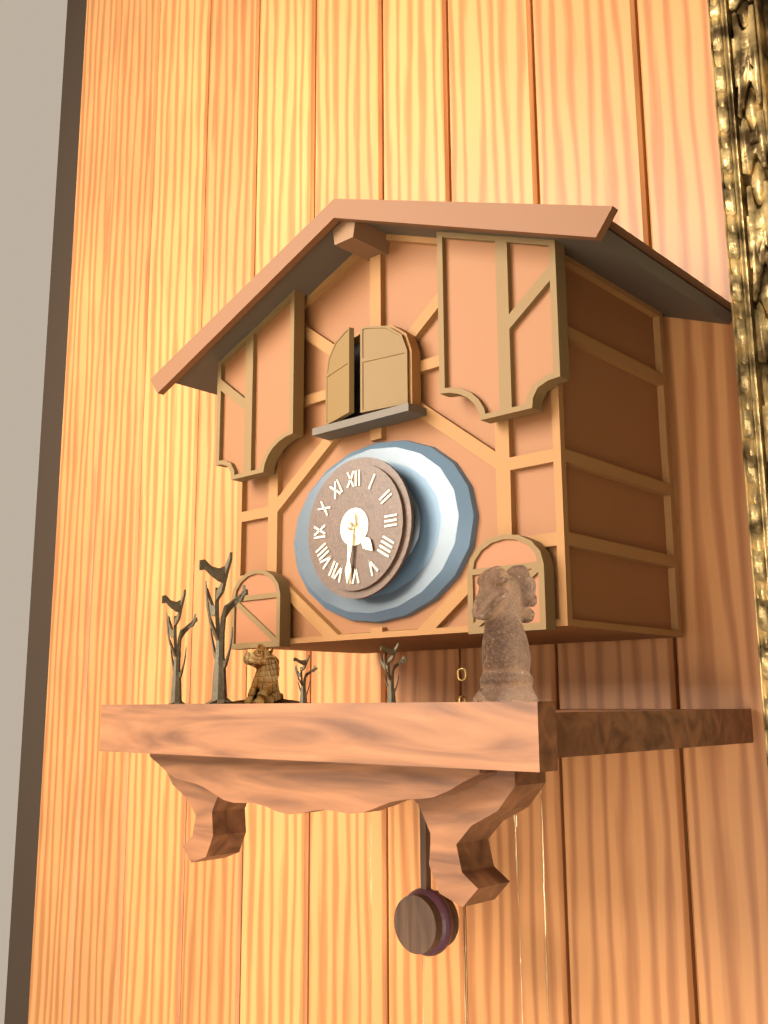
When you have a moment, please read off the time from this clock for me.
4:31
